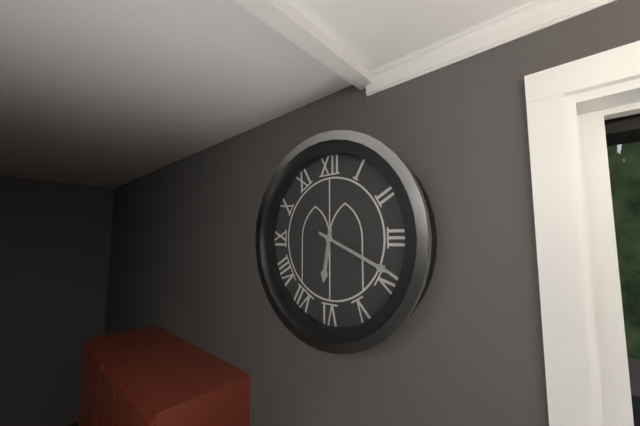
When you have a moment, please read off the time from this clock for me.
6:19
